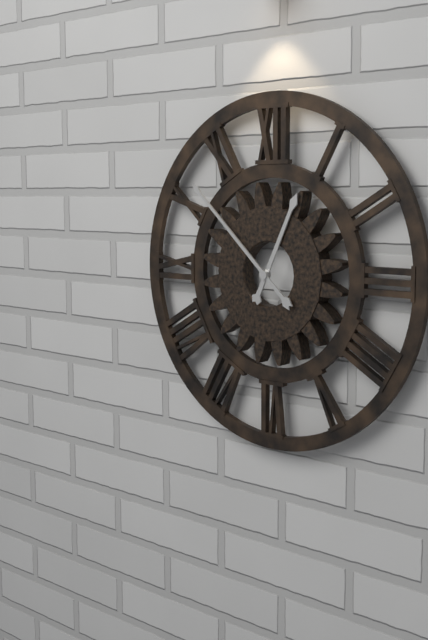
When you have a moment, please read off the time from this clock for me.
12:52
